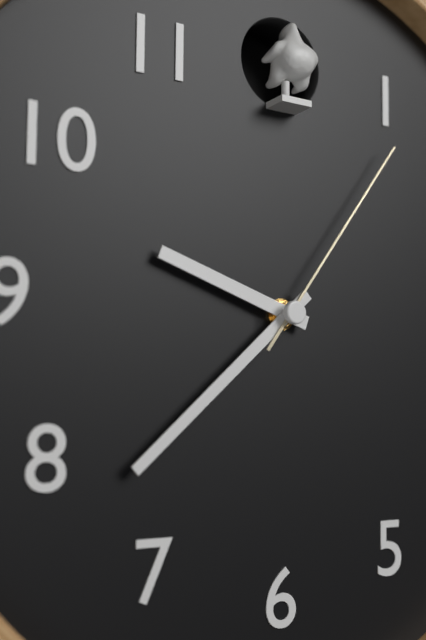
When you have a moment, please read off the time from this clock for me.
9:38:06
